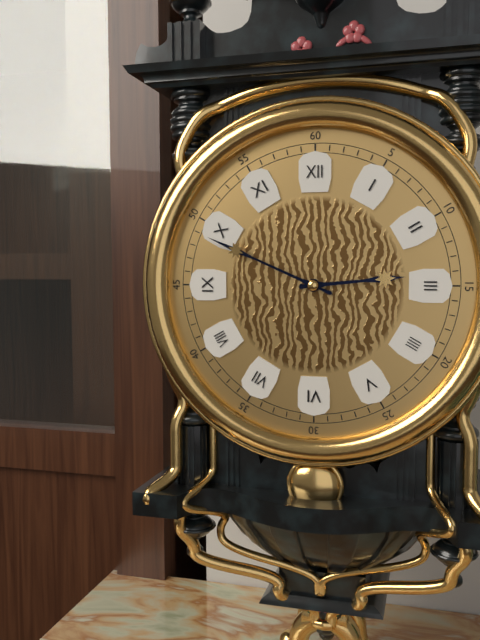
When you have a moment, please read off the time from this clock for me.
2:49
